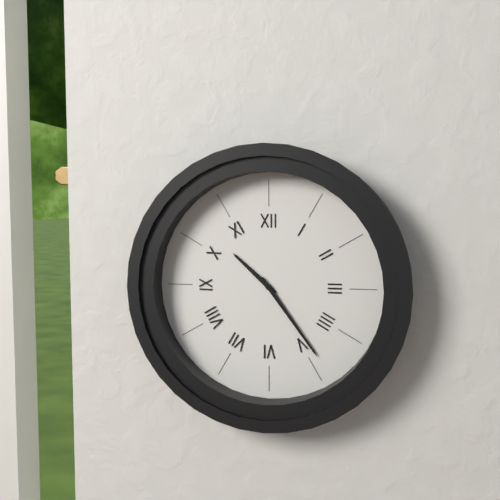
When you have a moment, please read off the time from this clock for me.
10:24
